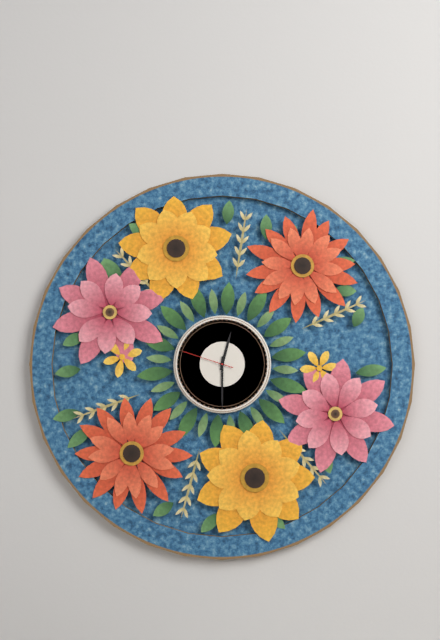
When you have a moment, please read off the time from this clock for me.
12:30:48
